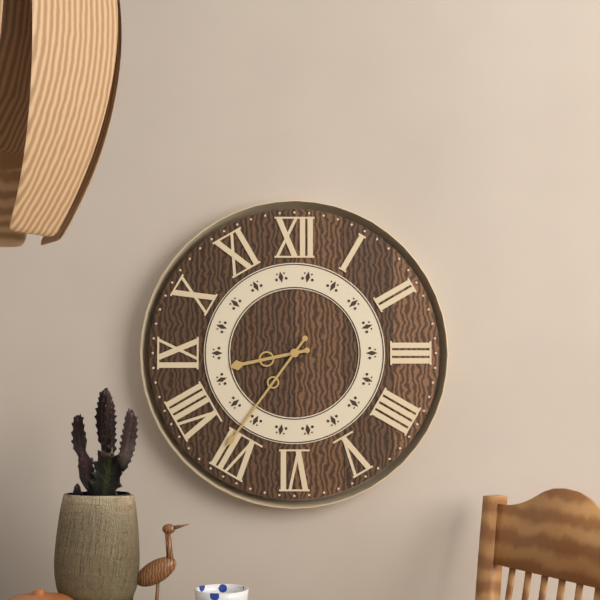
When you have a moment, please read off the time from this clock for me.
8:36
